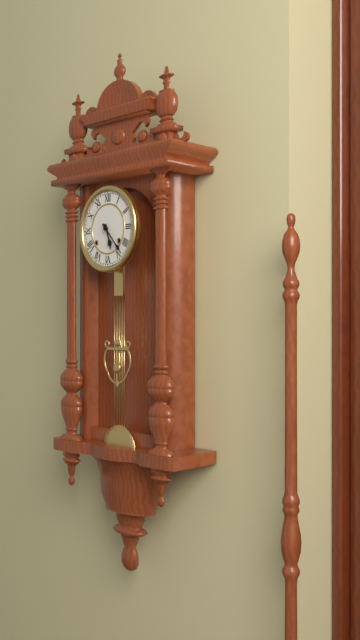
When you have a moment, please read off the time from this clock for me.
5:23
